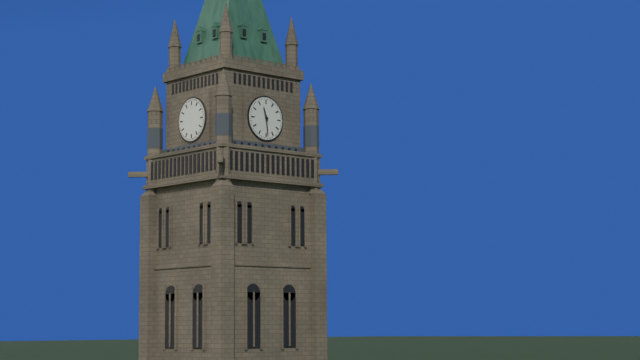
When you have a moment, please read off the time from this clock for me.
11:29
